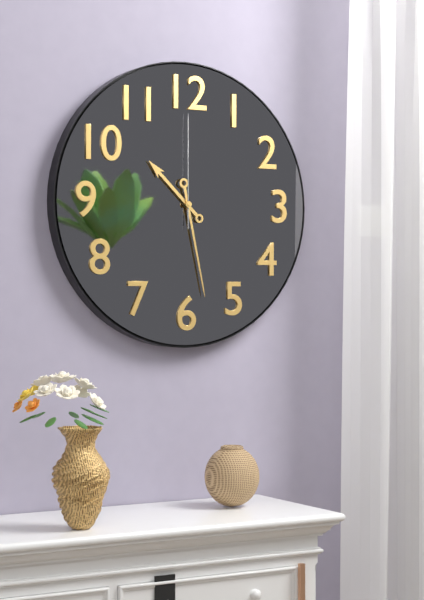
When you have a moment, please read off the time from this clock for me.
10:28:00
